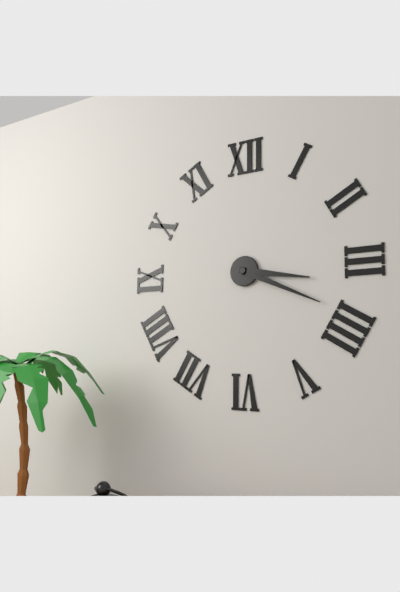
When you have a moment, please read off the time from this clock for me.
3:19
